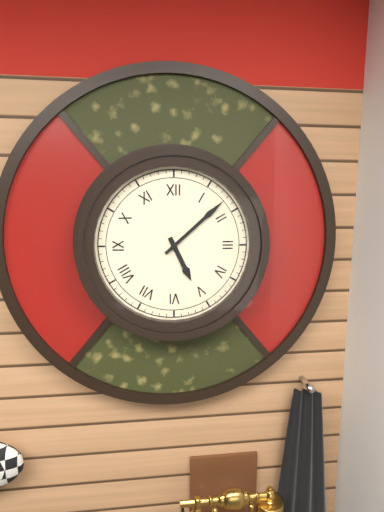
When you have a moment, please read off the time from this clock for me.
5:08
